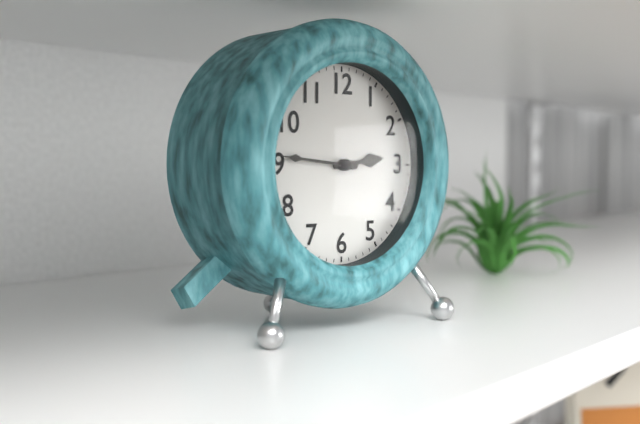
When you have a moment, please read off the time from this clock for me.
2:46
